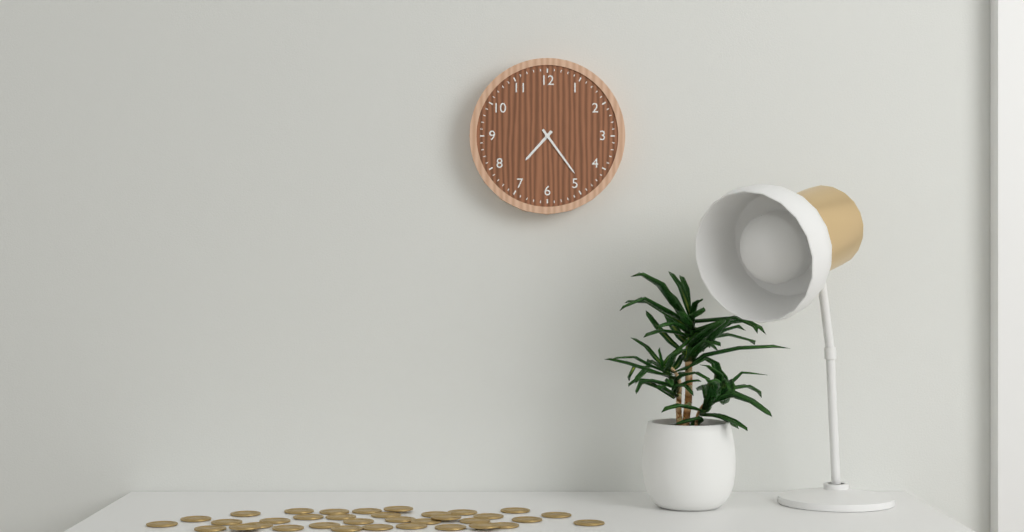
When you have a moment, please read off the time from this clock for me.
7:24
